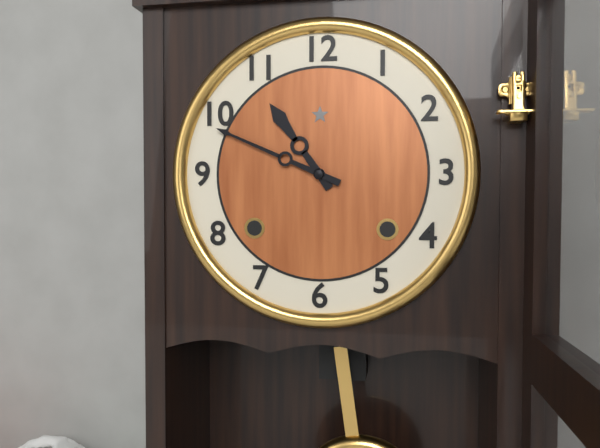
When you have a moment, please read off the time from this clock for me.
10:49
